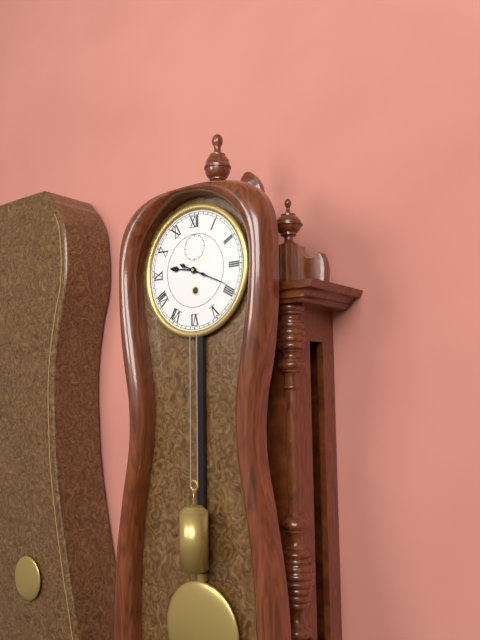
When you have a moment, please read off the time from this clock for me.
9:19
